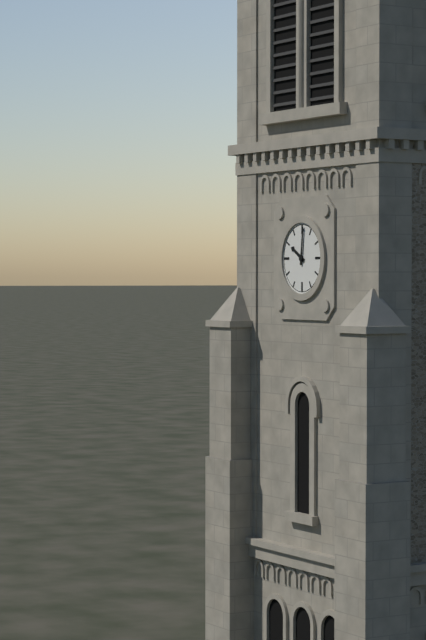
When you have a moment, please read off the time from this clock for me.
10:01
